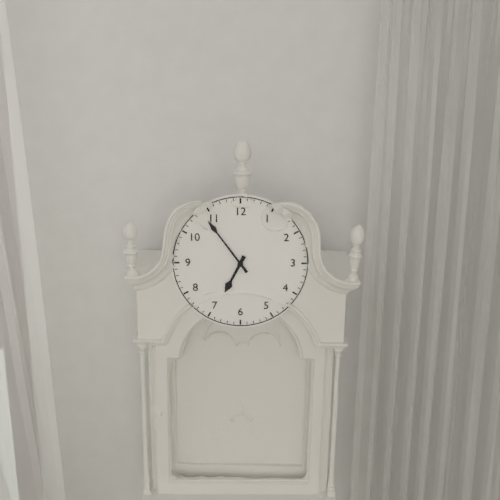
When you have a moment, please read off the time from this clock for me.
6:54
